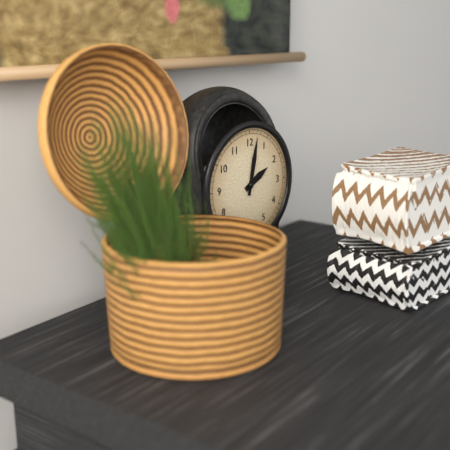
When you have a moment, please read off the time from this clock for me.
2:02
